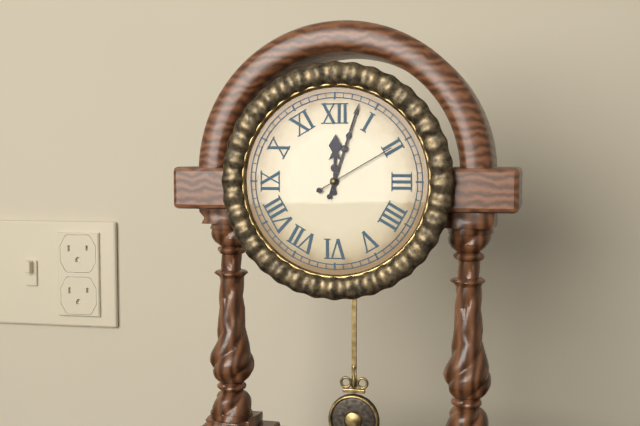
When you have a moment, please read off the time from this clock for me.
12:03:10
